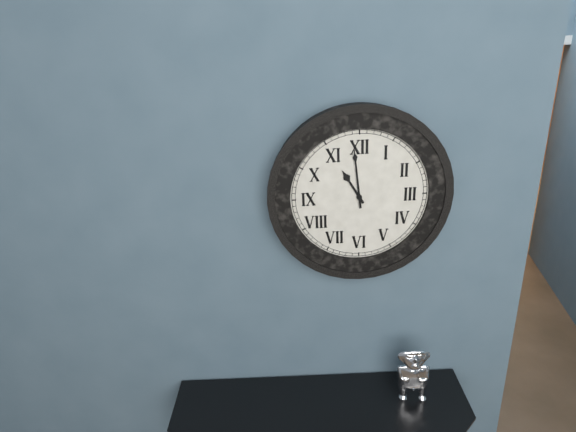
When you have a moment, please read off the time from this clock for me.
10:59
